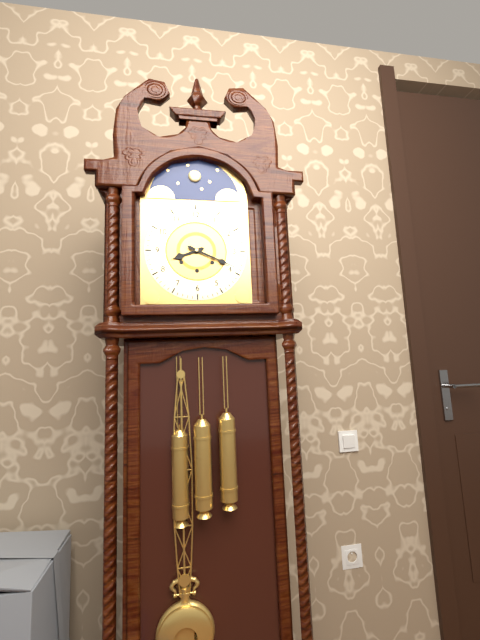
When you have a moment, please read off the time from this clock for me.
8:19
